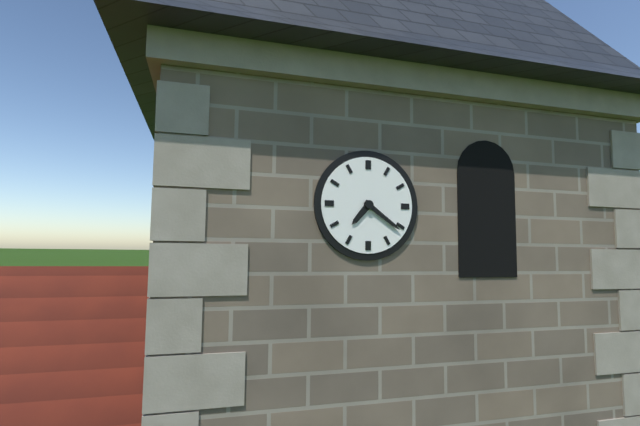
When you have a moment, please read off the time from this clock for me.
7:21
